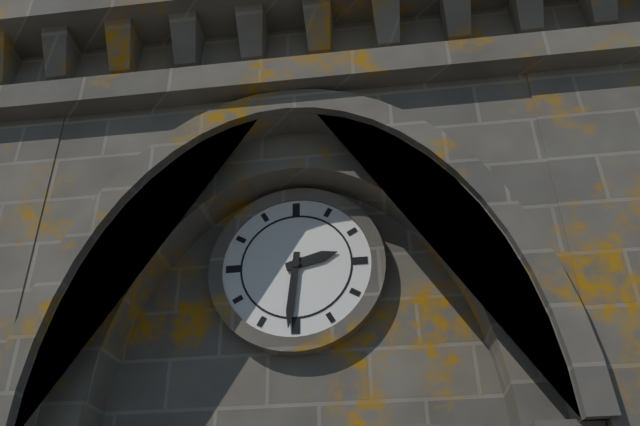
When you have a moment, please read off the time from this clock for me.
2:31
